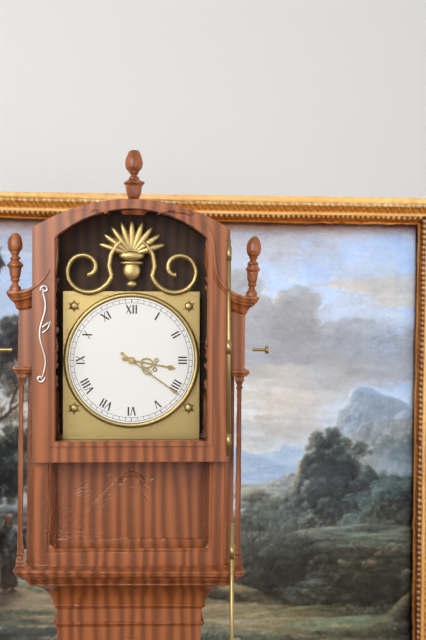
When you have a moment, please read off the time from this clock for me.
3:21
